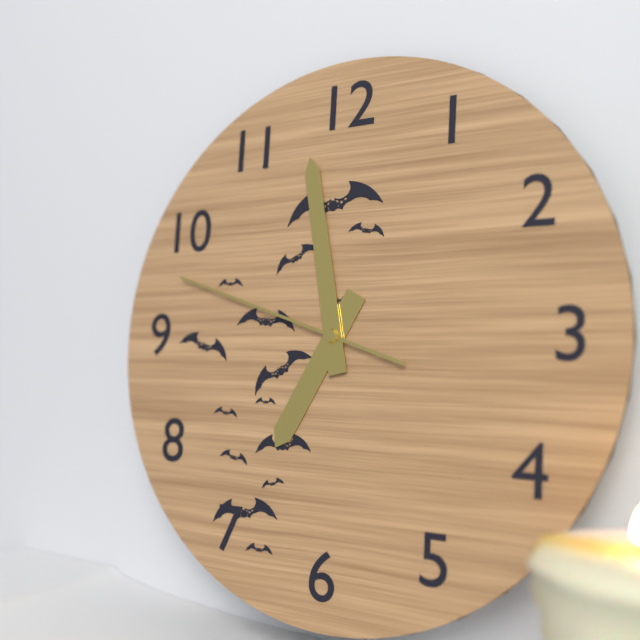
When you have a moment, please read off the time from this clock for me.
6:58:48
